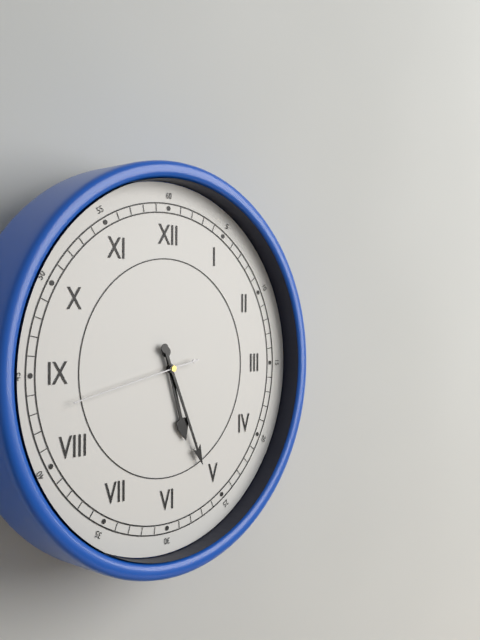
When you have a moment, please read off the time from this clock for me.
5:26:43
